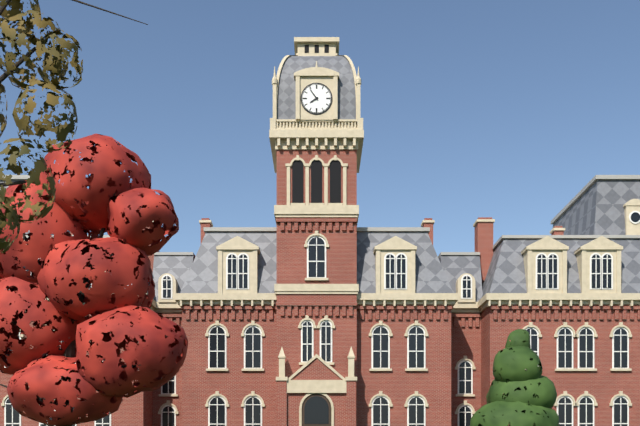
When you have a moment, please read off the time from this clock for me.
7:54
